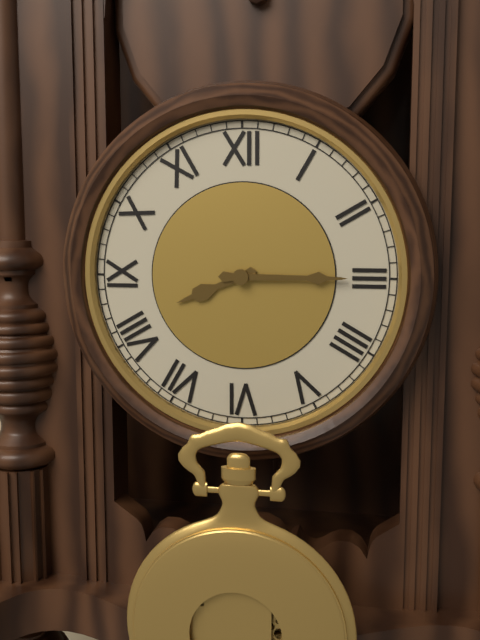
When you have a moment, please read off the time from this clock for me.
8:15
